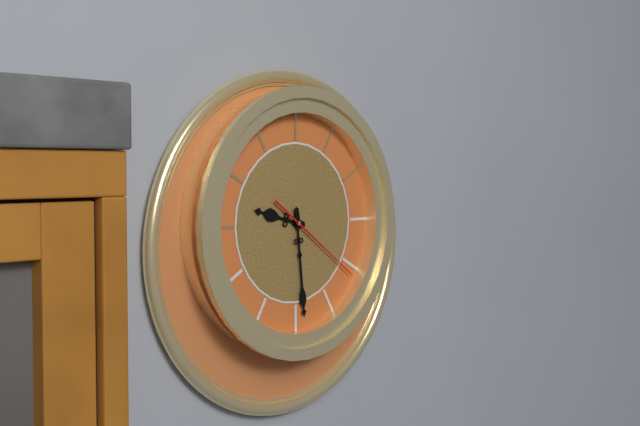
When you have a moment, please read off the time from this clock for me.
9:29:21
